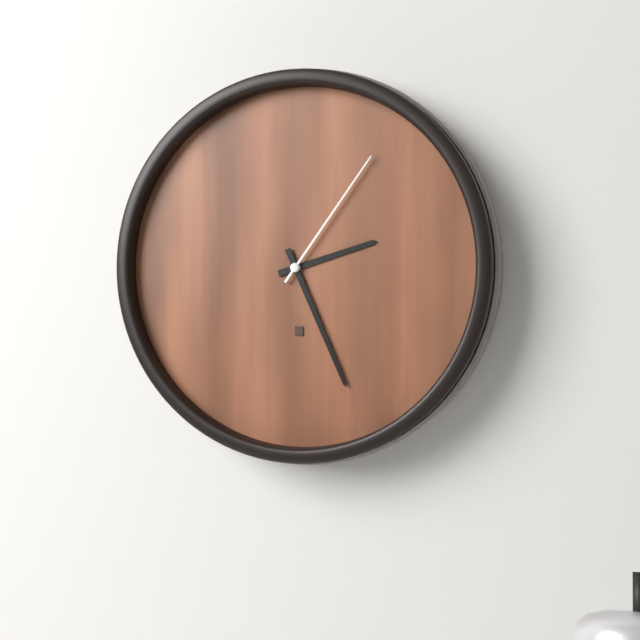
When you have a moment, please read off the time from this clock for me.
2:26:06
